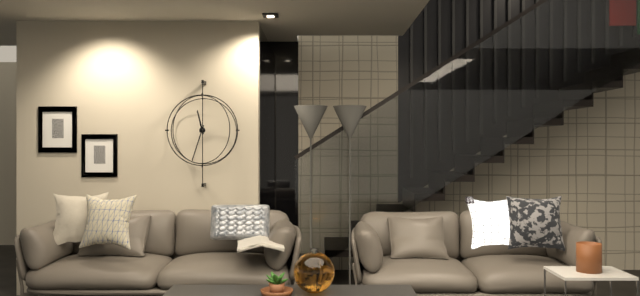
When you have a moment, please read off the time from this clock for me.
11:33
